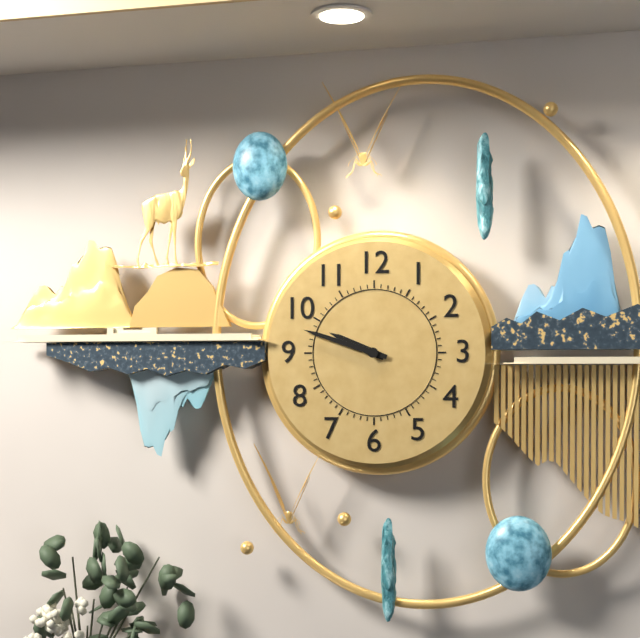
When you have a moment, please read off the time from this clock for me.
9:48
